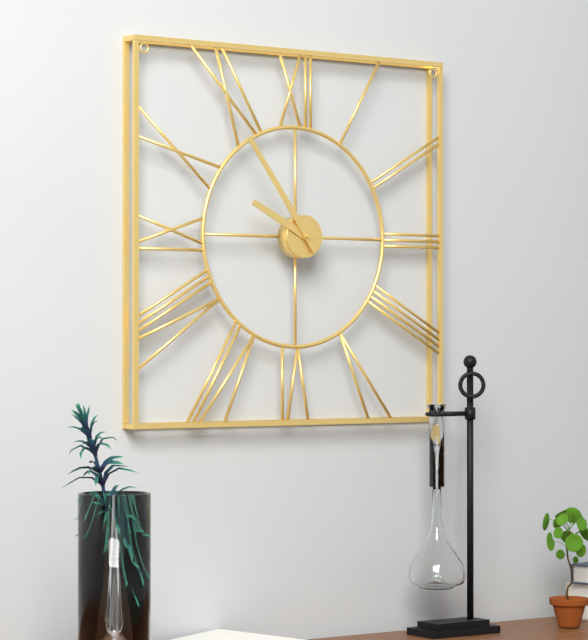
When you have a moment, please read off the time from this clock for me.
9:54
